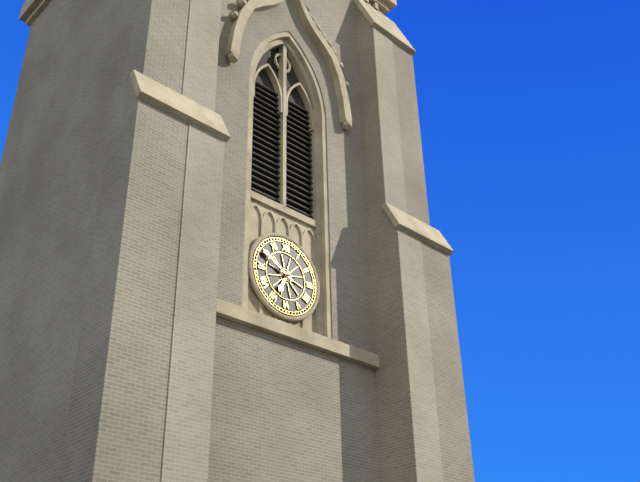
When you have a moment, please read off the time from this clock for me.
6:50
